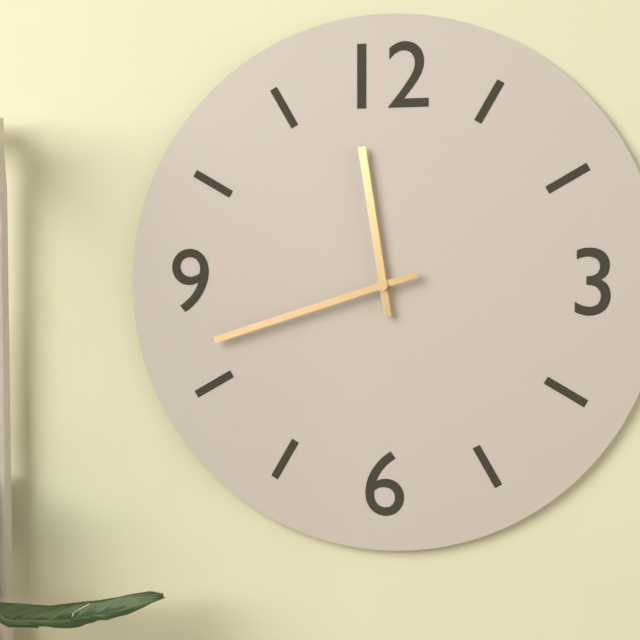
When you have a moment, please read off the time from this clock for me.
11:42
